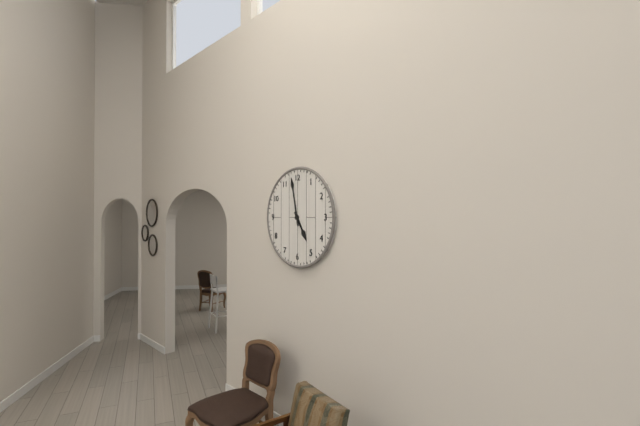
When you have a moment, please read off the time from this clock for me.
4:58
